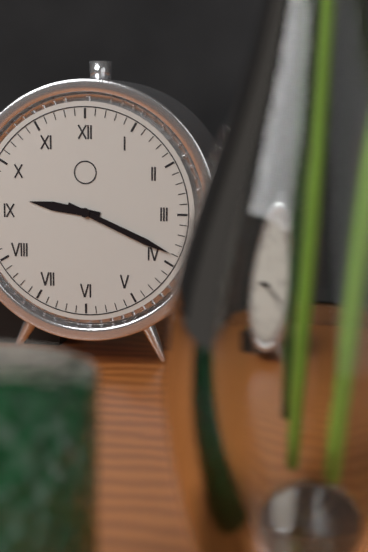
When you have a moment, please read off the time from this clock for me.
9:19
